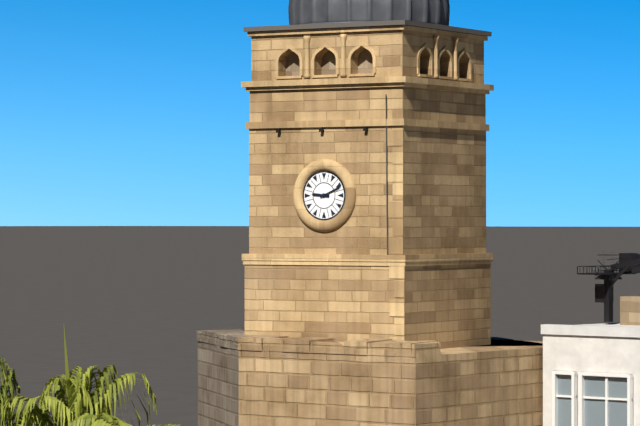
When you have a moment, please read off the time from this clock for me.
9:11
